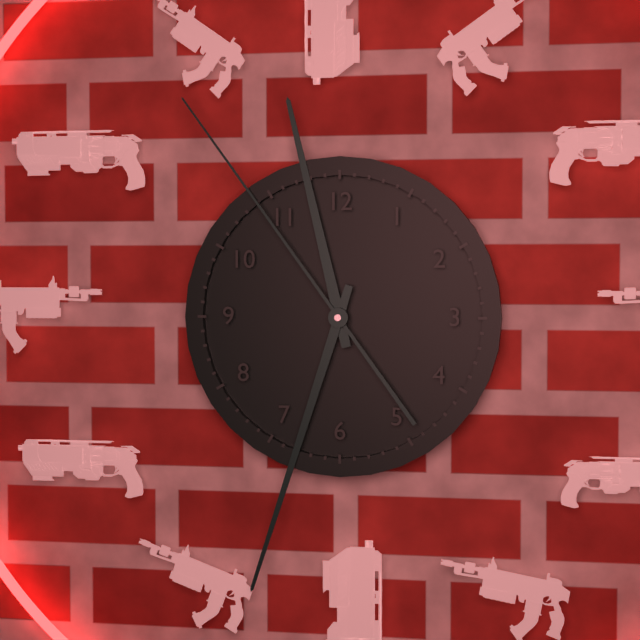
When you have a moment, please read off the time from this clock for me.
11:33:54
